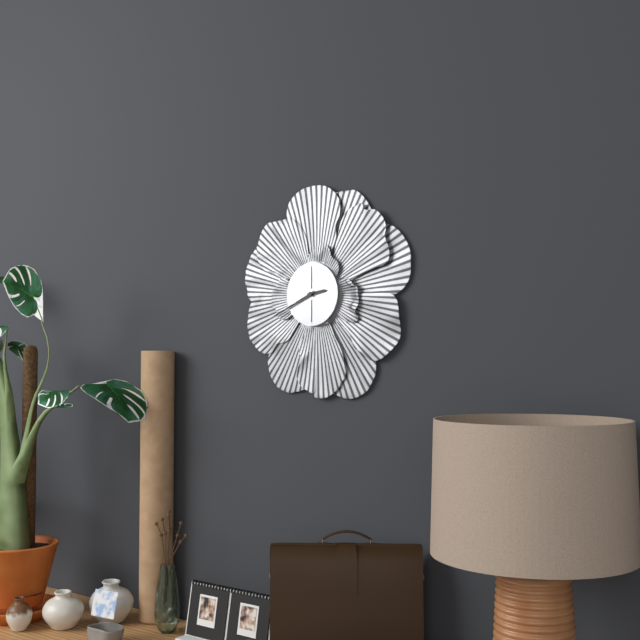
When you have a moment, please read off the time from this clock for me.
2:41
